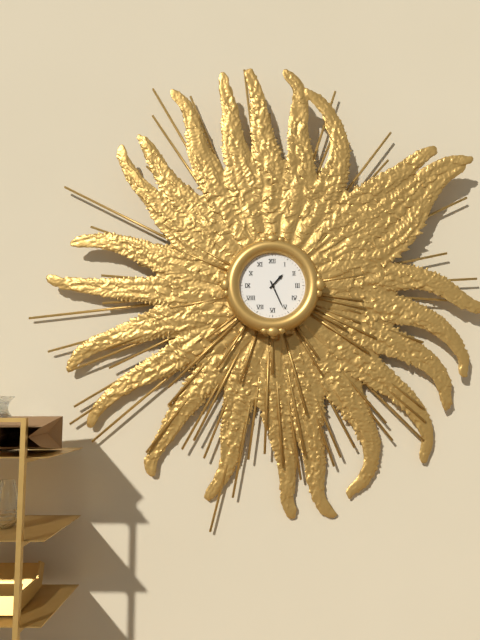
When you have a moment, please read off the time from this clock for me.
1:26
